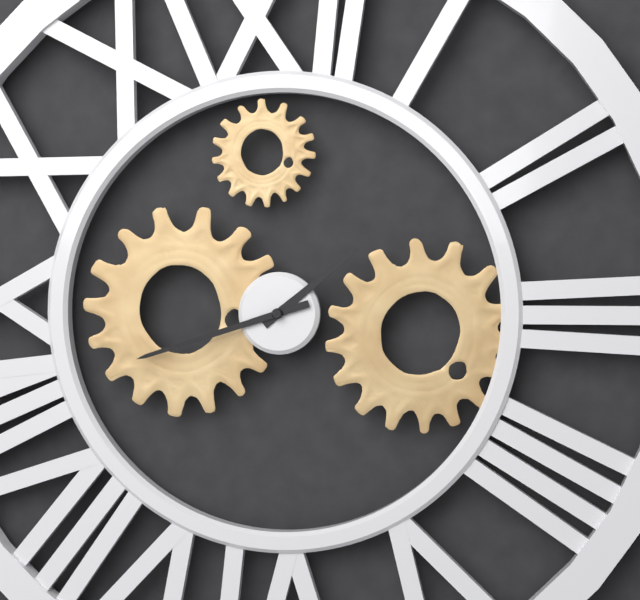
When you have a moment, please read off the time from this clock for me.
1:42
